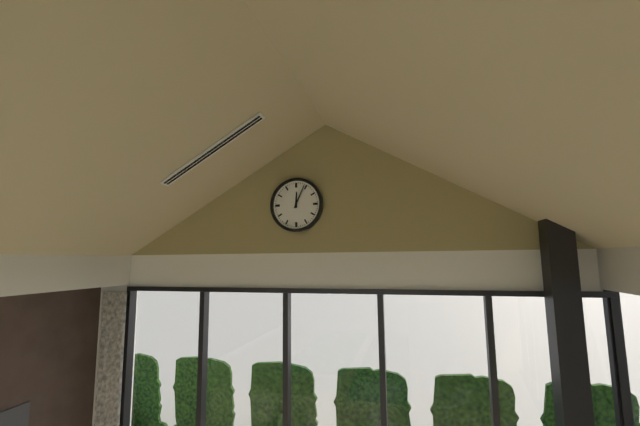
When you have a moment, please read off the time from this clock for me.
12:04
